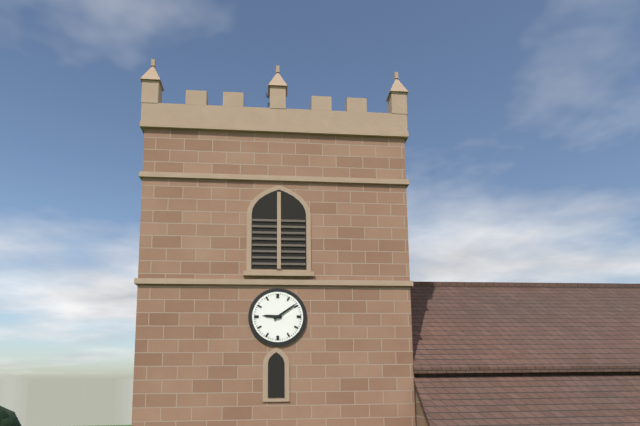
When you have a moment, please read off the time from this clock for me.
9:09
